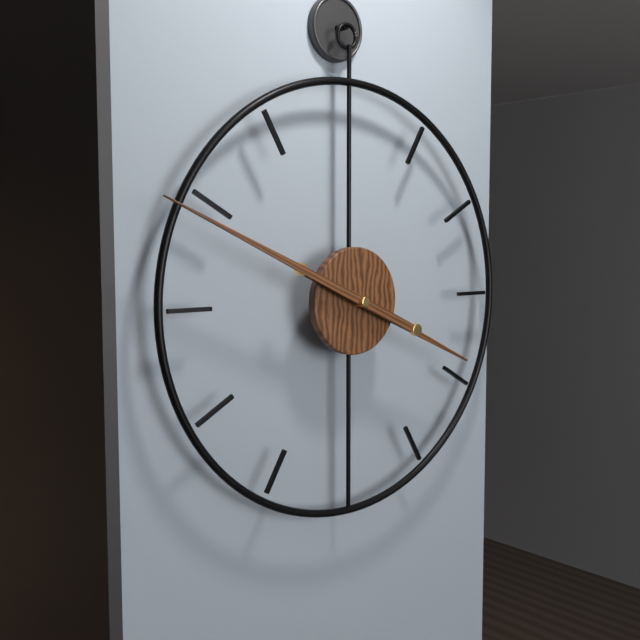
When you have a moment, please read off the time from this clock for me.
3:49
